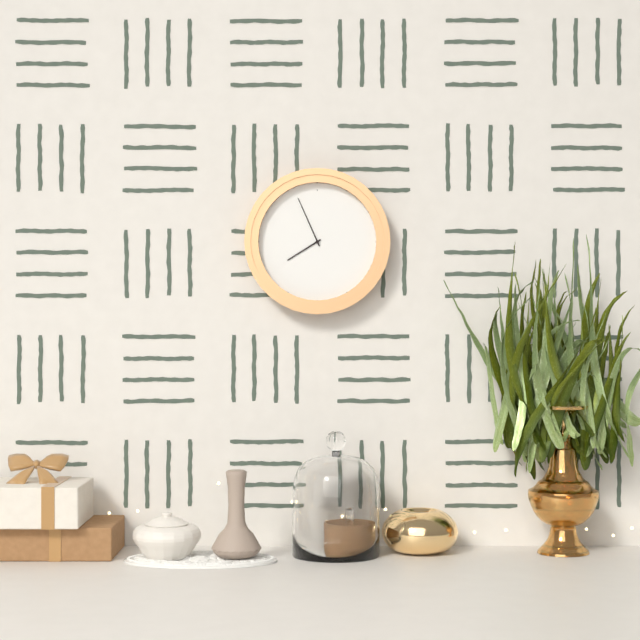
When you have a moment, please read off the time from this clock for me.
7:56
